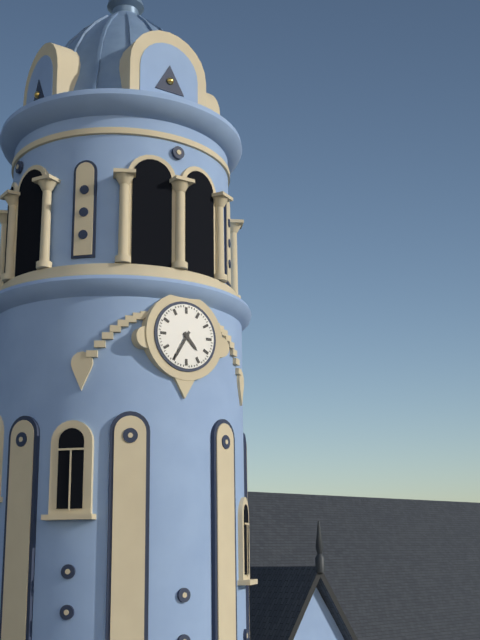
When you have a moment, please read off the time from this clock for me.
4:35
